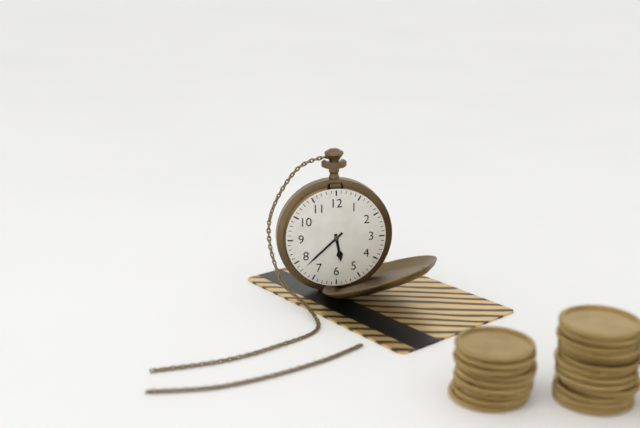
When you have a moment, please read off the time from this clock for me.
5:38
